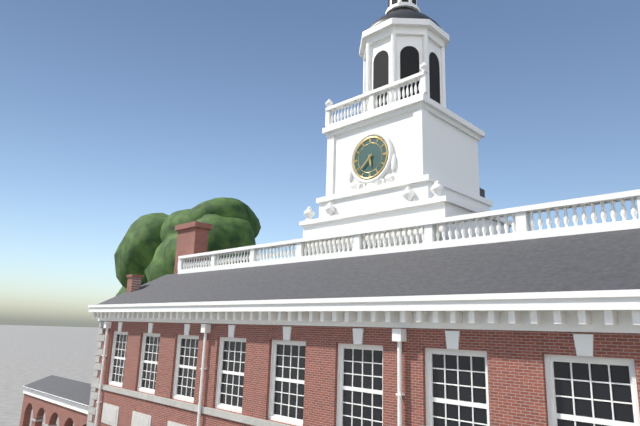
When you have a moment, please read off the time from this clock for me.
5:38
